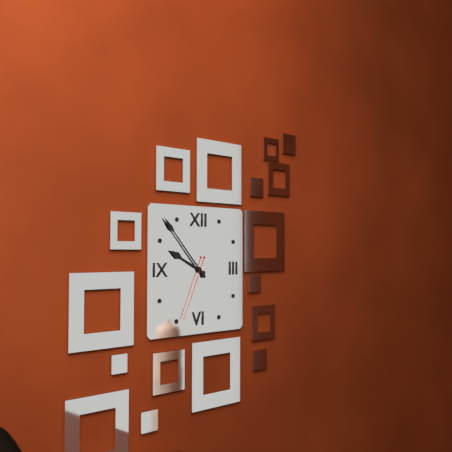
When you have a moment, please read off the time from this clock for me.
9:53:34
